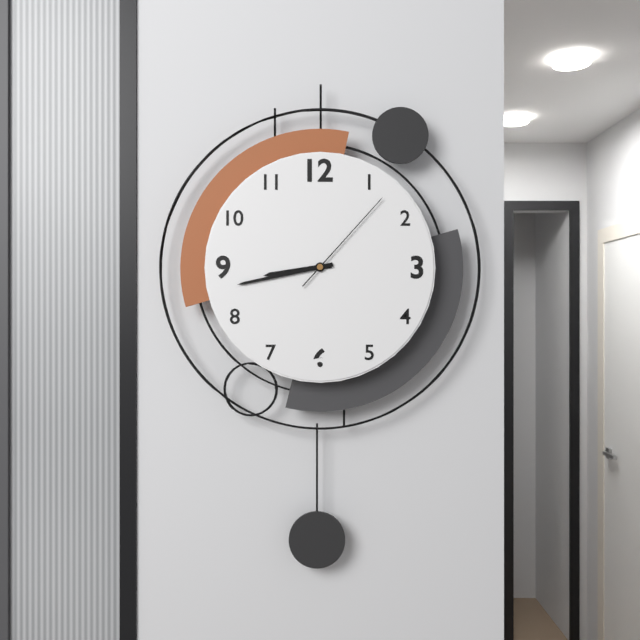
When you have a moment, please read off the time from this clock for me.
8:43:07
